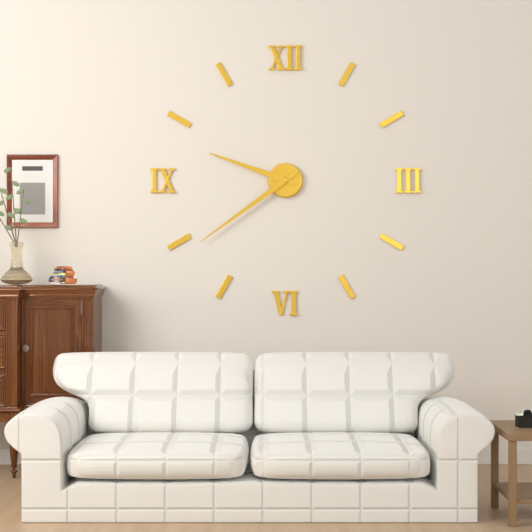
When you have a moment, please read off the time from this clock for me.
9:39
